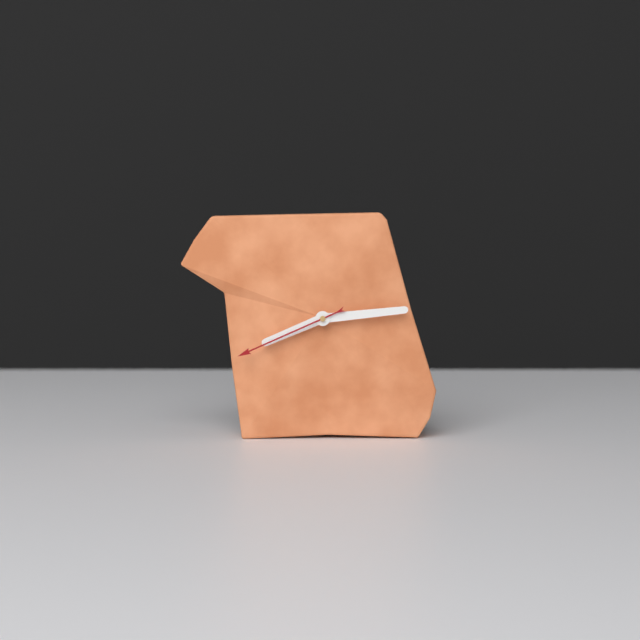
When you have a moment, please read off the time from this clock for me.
8:14:41
